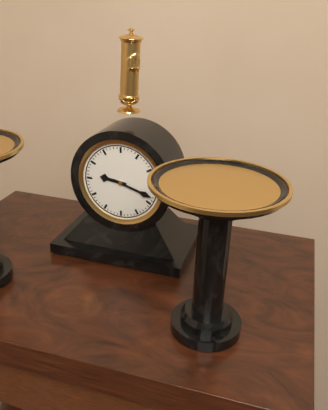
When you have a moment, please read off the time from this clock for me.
9:18
